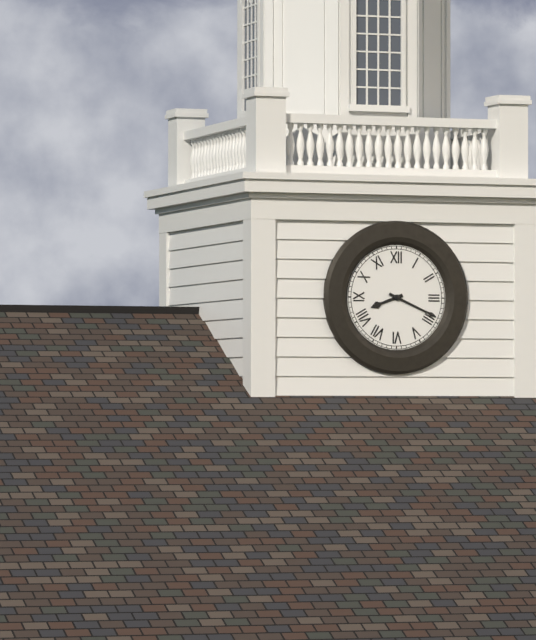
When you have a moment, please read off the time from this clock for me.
8:19
